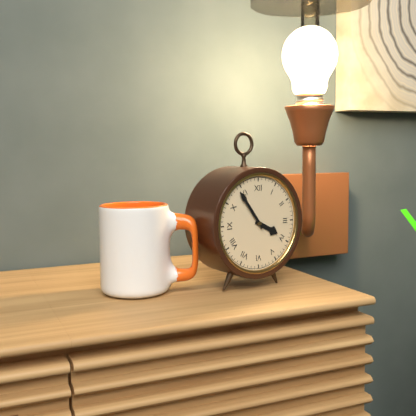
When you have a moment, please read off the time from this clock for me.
3:54
